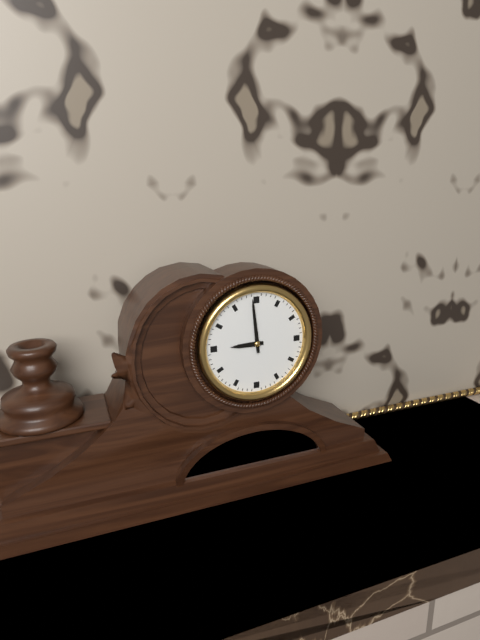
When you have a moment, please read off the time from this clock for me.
8:59
